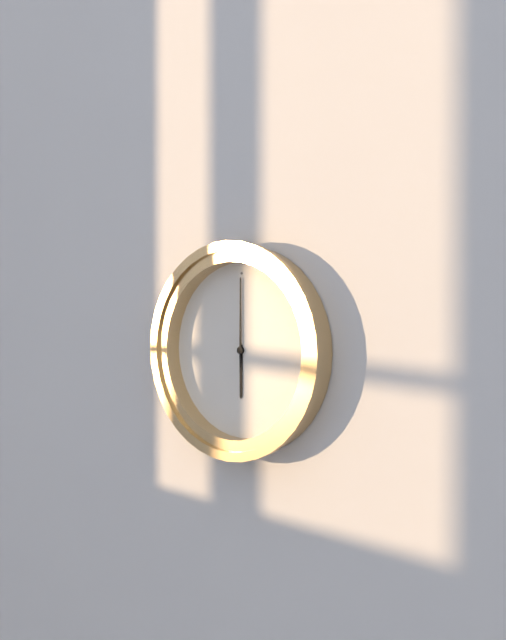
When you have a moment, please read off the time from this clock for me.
6:00
